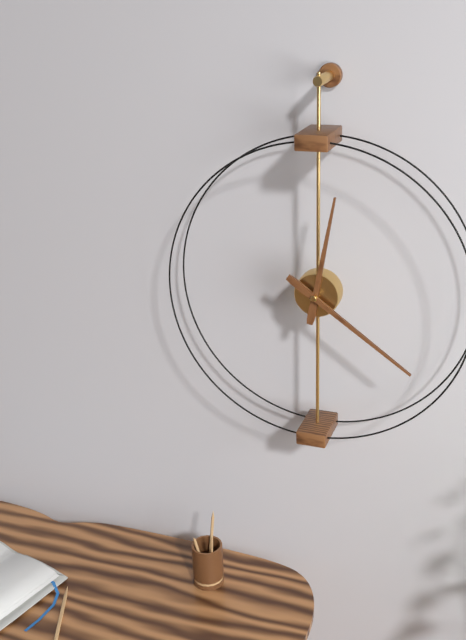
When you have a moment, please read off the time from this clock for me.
12:21
